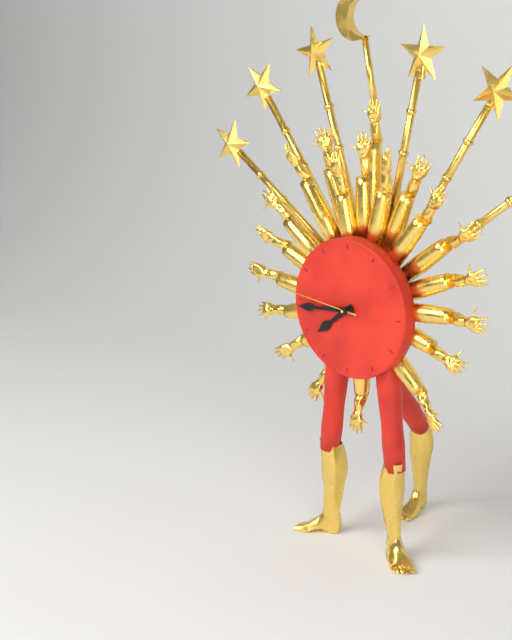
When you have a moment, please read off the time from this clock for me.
7:44:46
